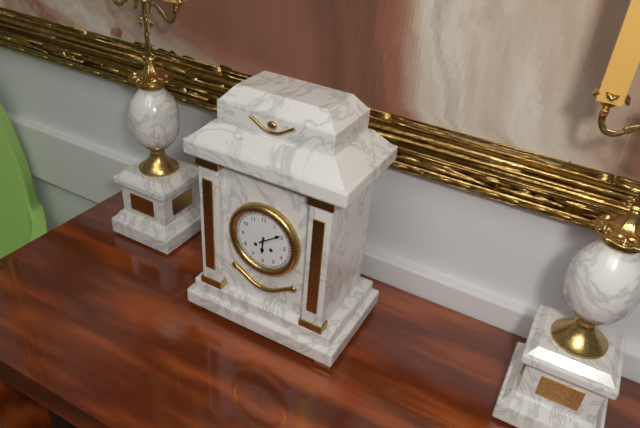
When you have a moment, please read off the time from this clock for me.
6:09
